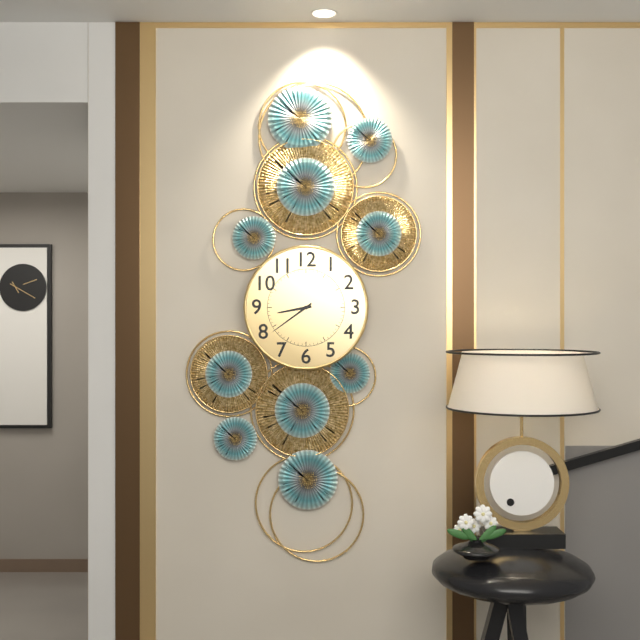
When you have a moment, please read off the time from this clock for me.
8:39
